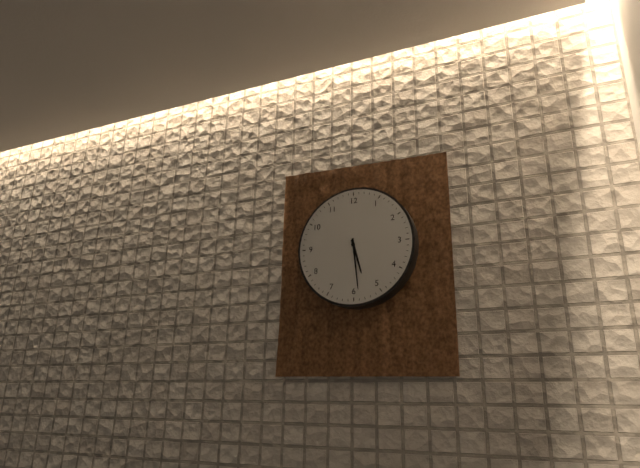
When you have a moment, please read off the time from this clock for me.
5:29
